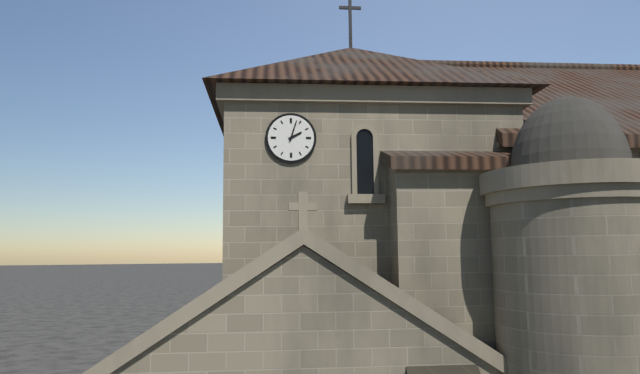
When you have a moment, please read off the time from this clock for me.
2:03
